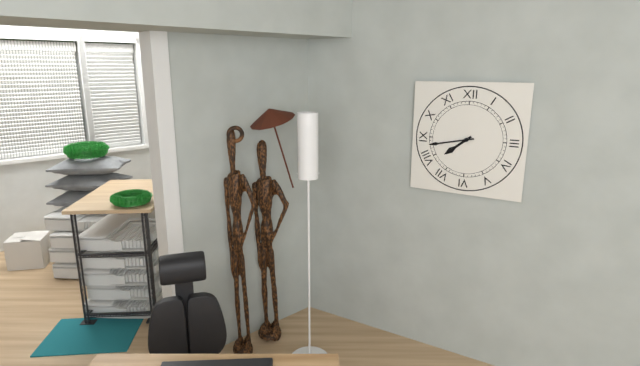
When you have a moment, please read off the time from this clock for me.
7:43
